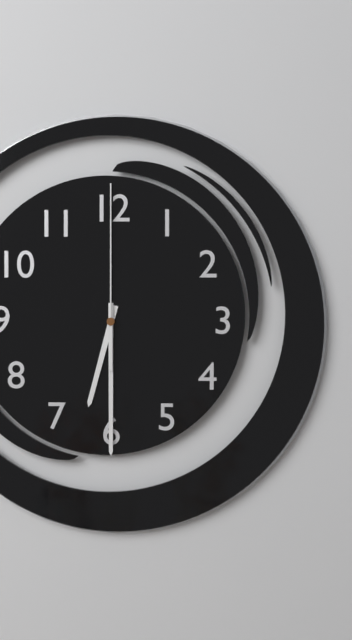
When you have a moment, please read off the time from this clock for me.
6:30:00
